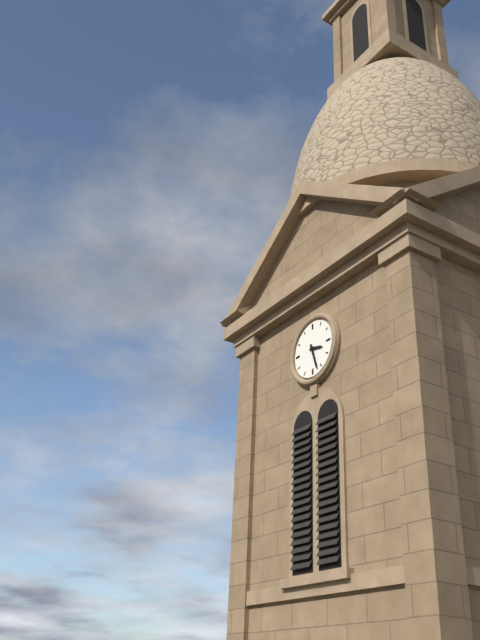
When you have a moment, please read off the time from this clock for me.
3:27
